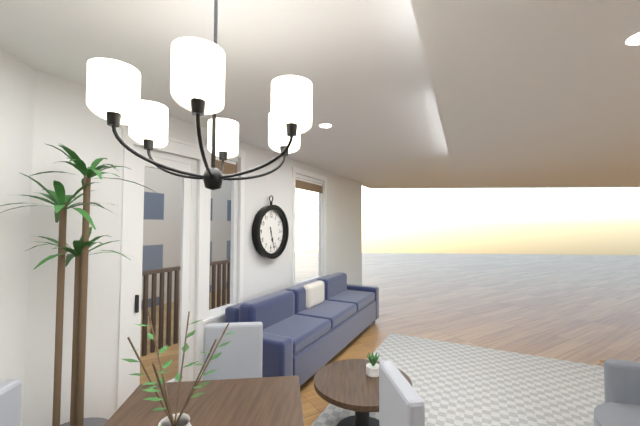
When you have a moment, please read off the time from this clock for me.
5:27
